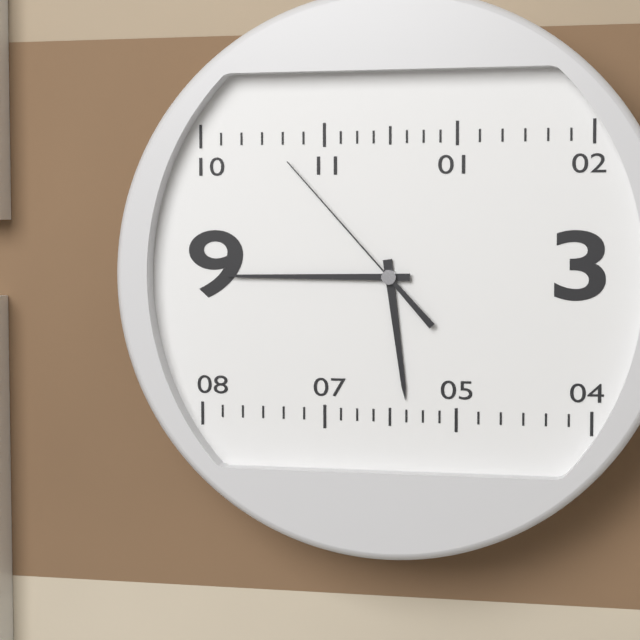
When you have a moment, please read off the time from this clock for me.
5:45:53
